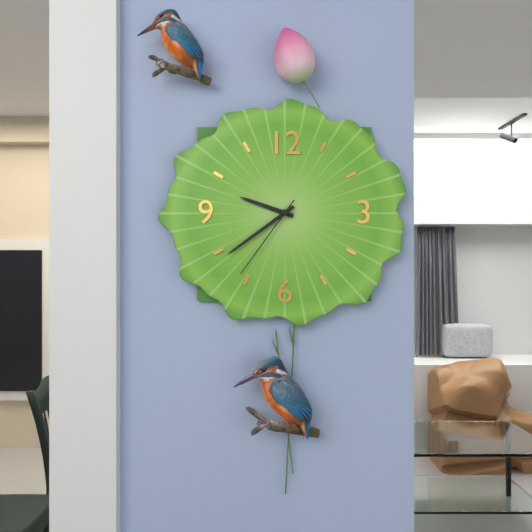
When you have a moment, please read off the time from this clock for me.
9:39:36
